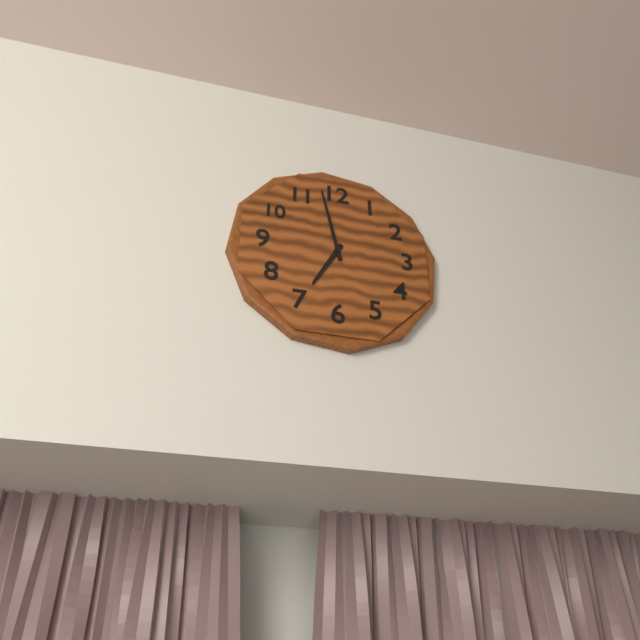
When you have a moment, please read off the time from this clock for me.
6:58
